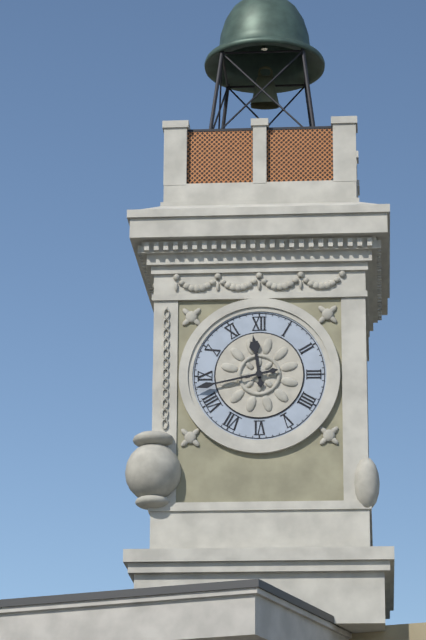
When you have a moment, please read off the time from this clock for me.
11:43
